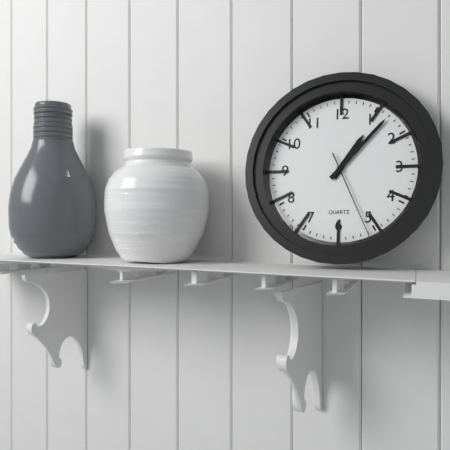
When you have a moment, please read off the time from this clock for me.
1:07:26
